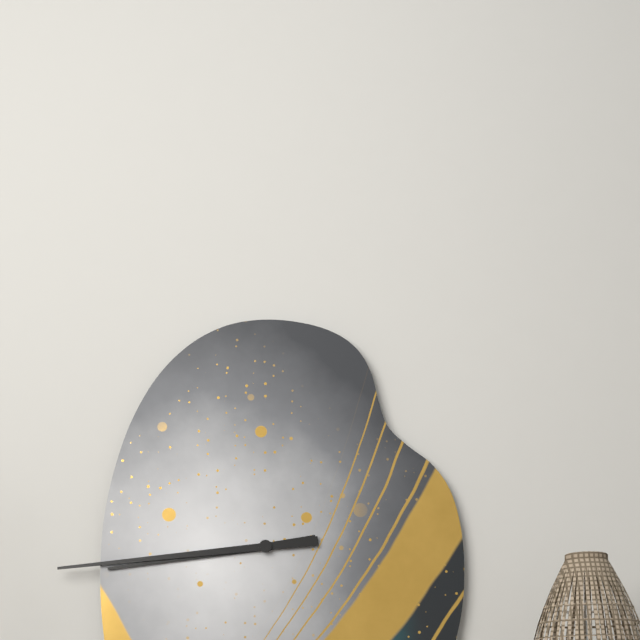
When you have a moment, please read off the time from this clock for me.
8:44
